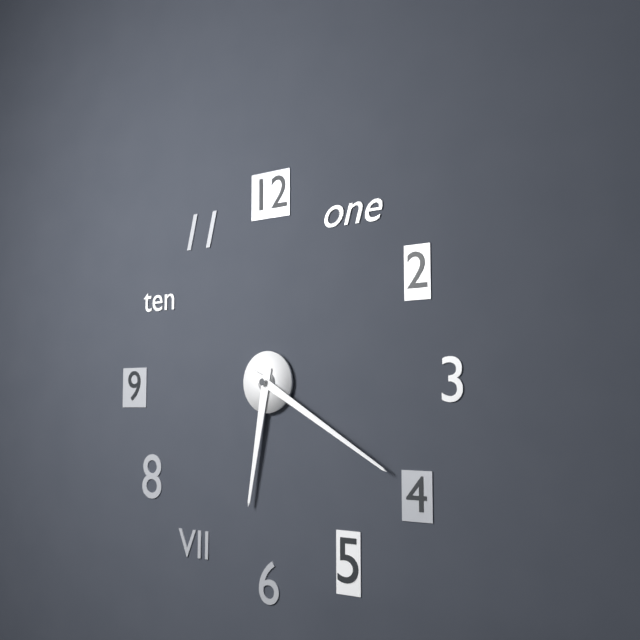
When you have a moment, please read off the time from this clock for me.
6:20
